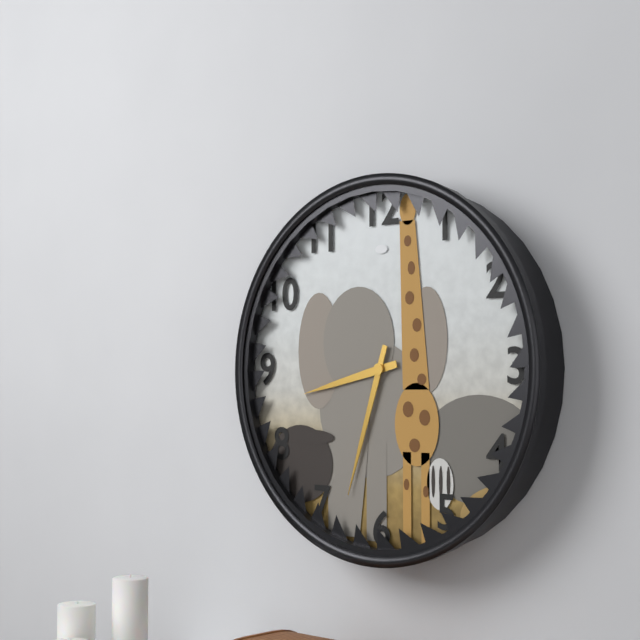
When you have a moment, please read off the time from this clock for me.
8:33
